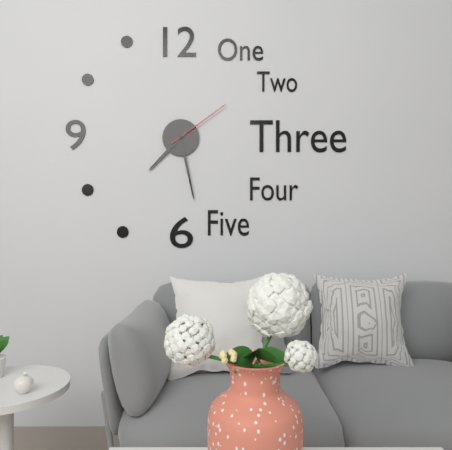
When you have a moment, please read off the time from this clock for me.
7:28:09
